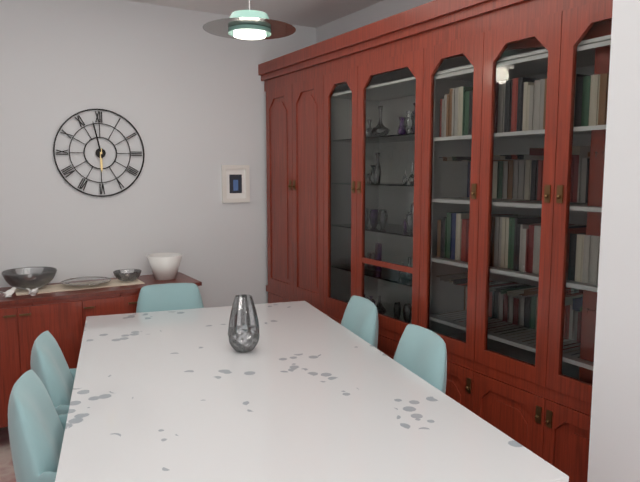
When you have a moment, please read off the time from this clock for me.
5:58
